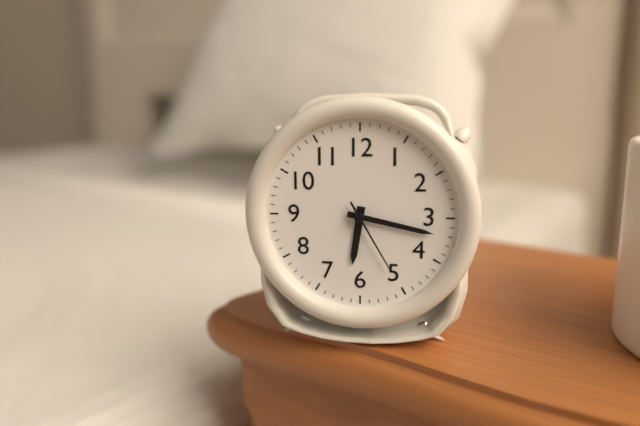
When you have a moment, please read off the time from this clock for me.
6:17:25
